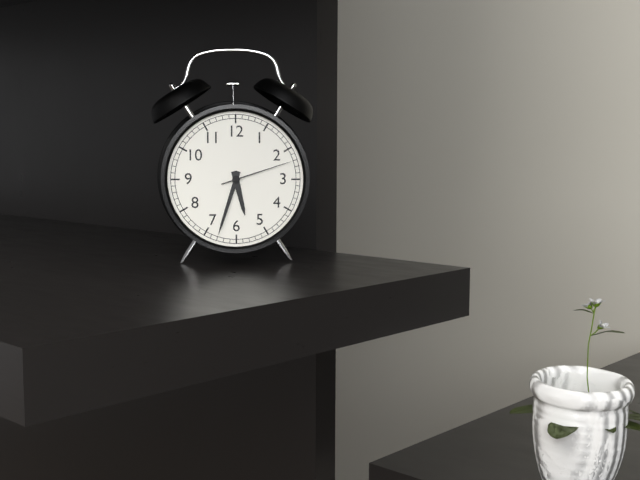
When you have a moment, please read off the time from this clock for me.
5:33:12
